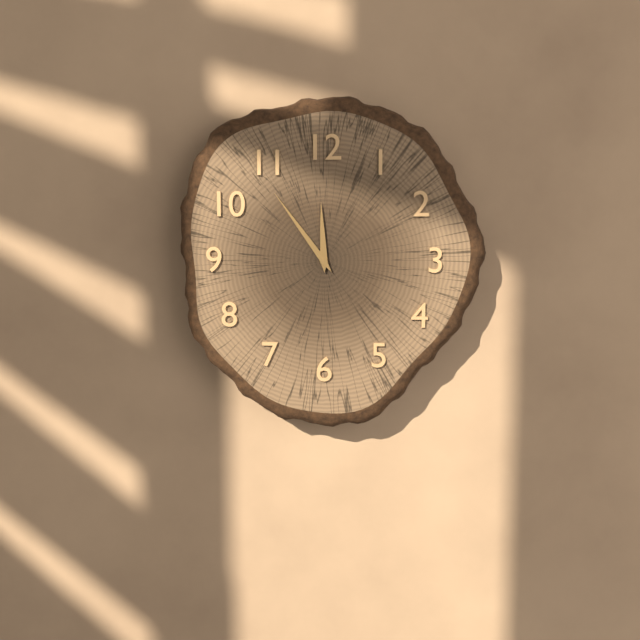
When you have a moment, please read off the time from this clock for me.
11:54
